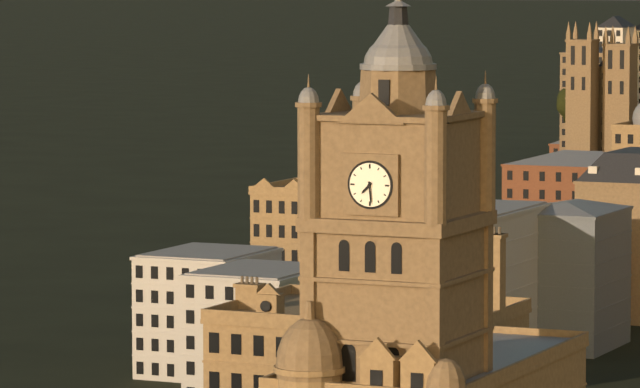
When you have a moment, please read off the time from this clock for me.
7:29
